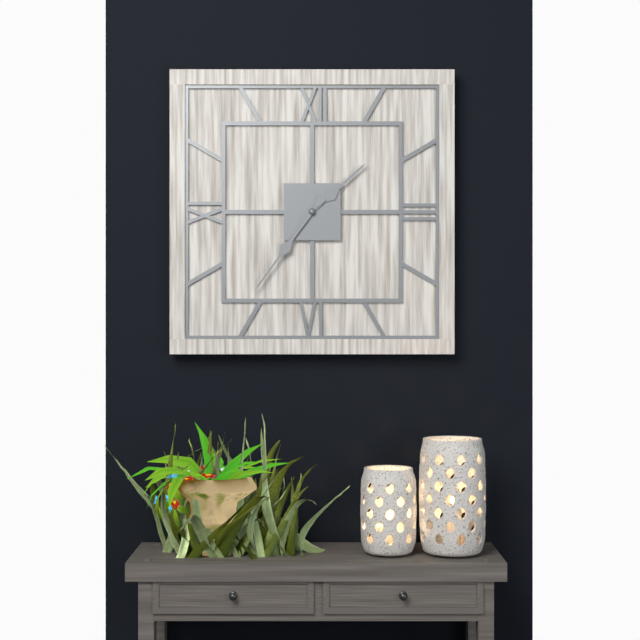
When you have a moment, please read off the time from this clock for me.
1:36
